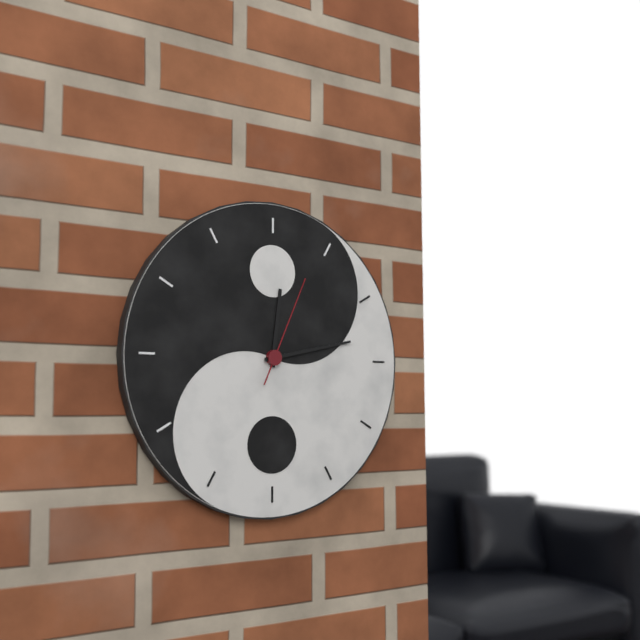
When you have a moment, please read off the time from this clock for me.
12:13:04
